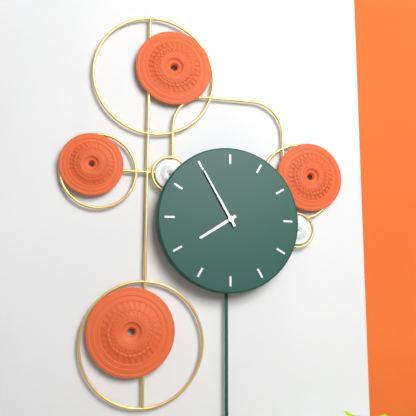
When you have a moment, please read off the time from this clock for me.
7:55
